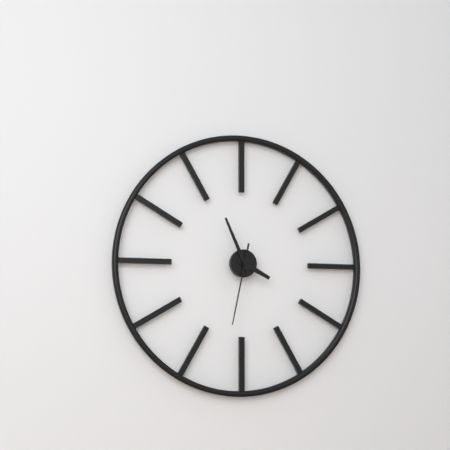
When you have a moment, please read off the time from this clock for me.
3:56:32
